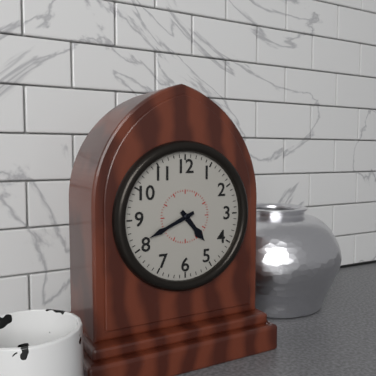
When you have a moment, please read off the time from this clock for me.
4:41
